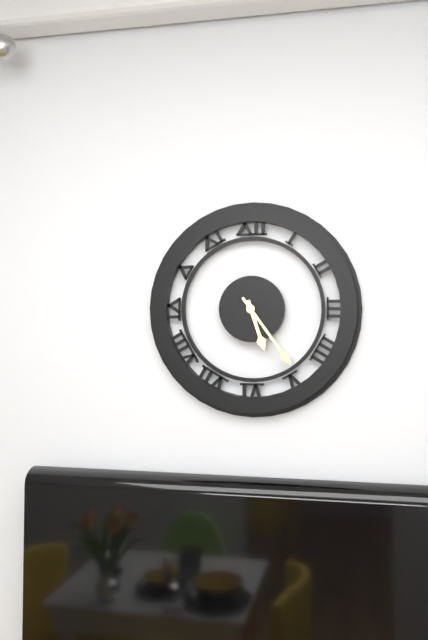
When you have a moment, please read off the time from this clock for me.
5:24
